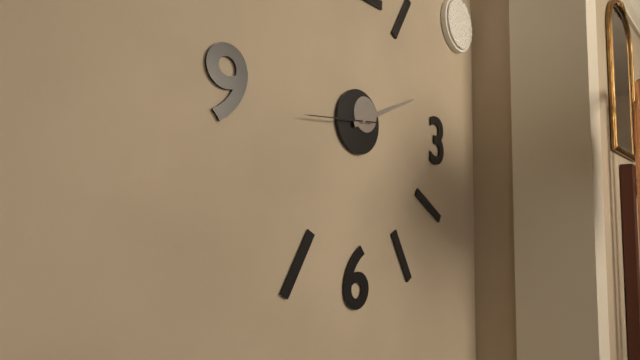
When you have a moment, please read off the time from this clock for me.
2:11:44
